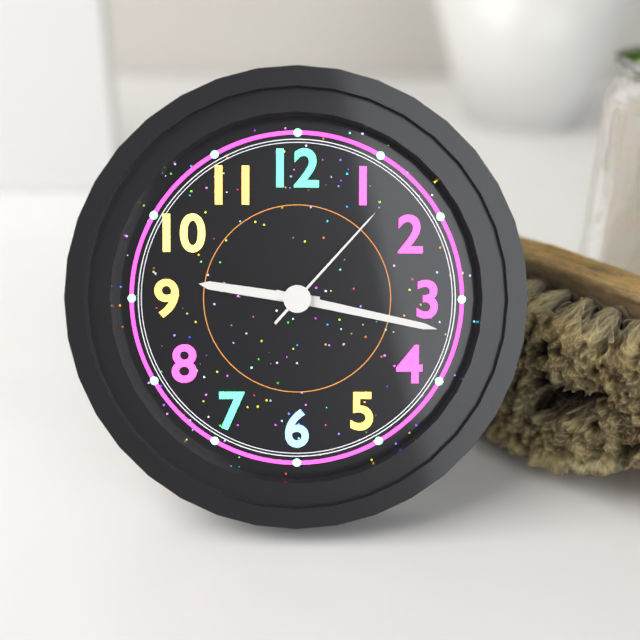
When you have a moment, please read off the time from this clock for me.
9:17:07
